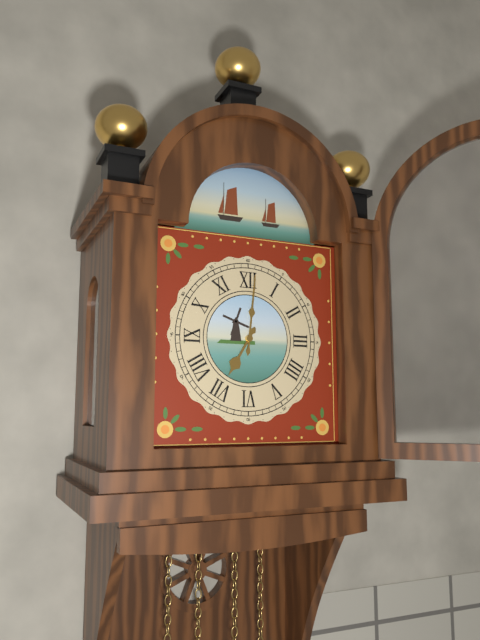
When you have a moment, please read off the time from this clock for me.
7:01
